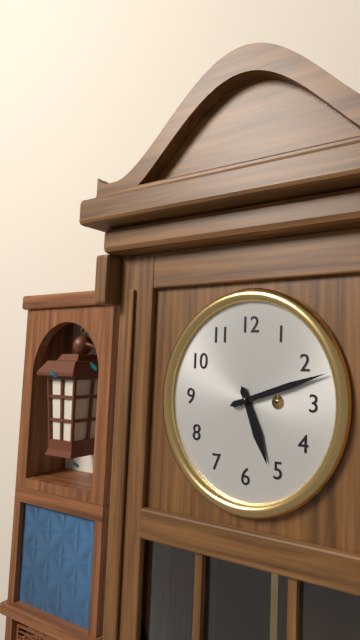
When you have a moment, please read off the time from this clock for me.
5:12
